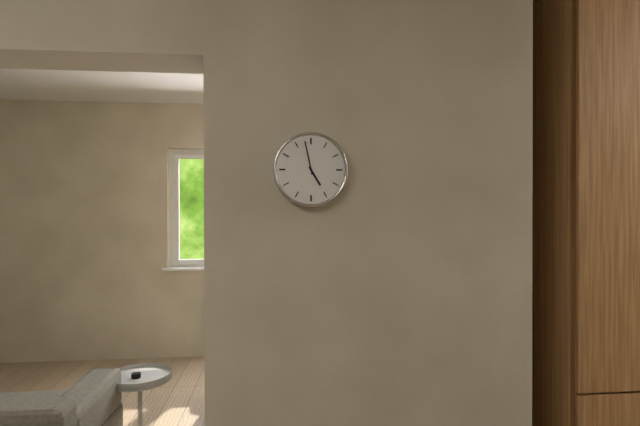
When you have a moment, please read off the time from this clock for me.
4:58
